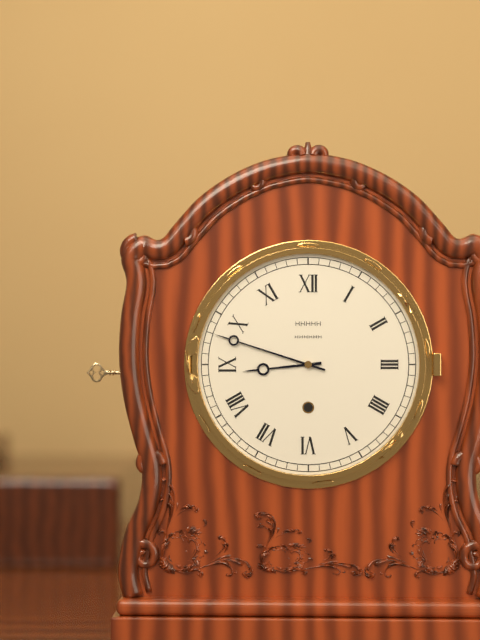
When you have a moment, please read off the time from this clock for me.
8:48
